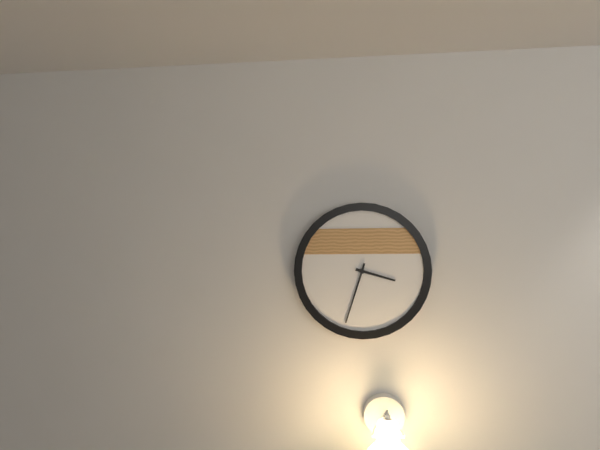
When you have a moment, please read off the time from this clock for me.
3:33
